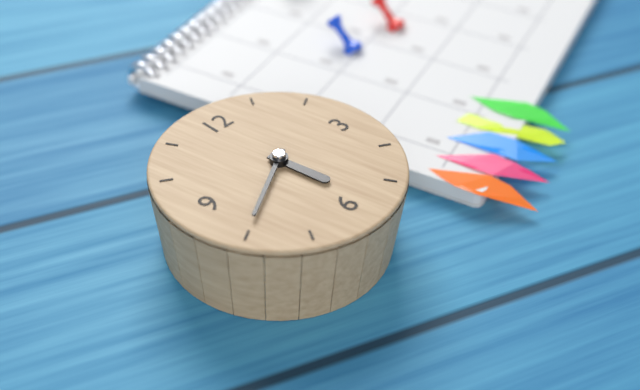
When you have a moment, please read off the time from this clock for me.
5:40
